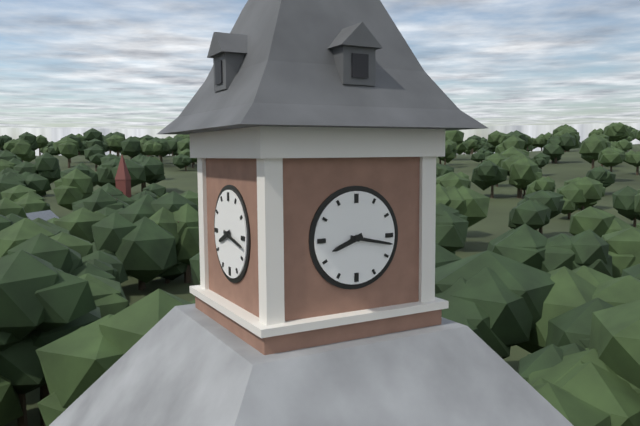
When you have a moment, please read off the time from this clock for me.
8:17
